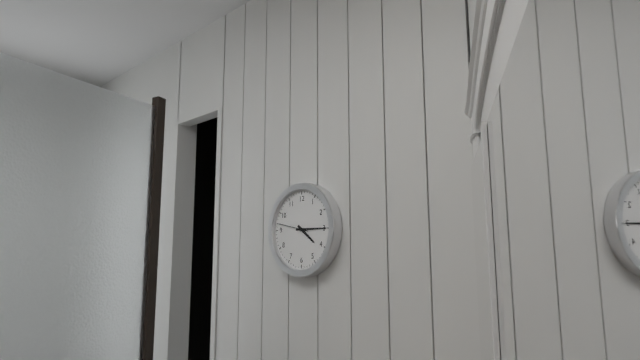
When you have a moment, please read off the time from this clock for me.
4:15
